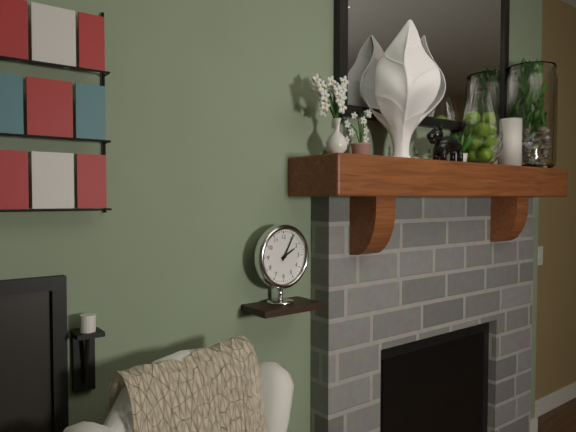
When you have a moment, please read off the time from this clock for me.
2:05
